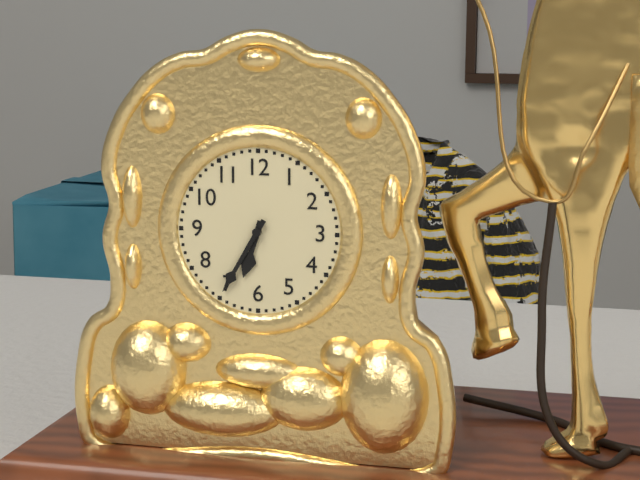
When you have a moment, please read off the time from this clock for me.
6:35
